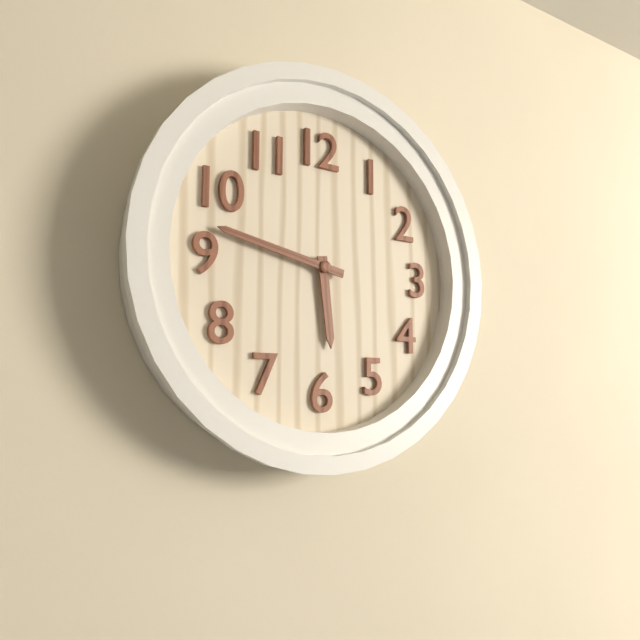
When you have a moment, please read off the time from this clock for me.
5:47
